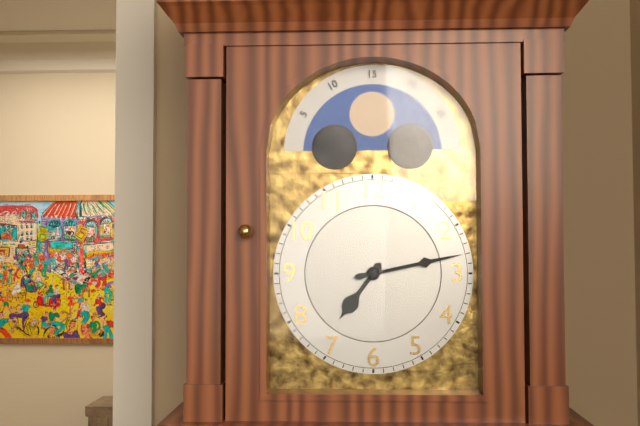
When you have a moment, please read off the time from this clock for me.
7:13
